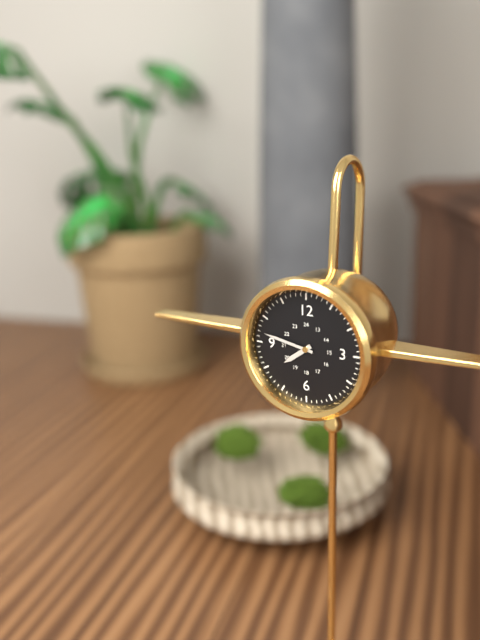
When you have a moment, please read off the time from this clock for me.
7:47
